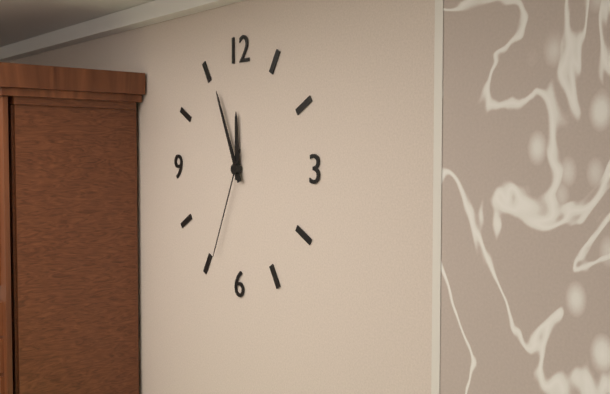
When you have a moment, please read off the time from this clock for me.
11:56:34
